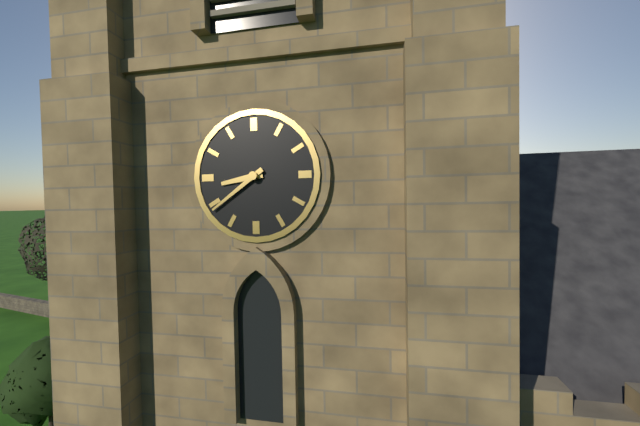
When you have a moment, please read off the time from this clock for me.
8:39
